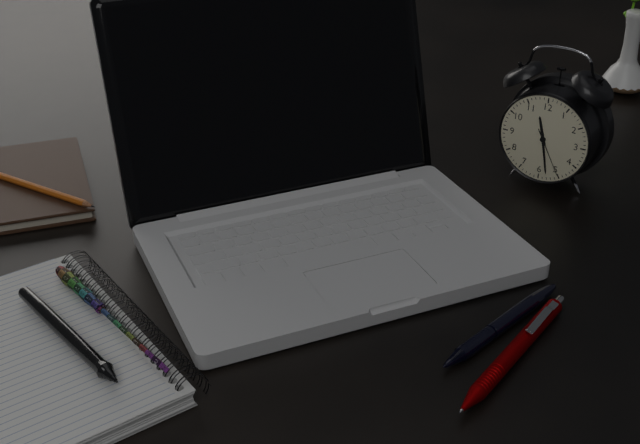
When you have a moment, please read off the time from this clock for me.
11:28:25
